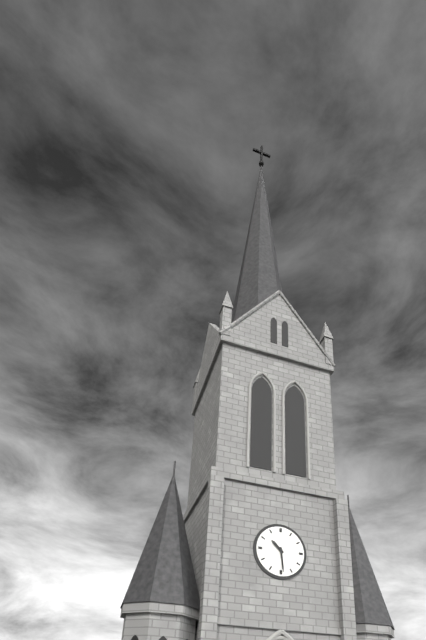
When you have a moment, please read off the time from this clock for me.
10:29
